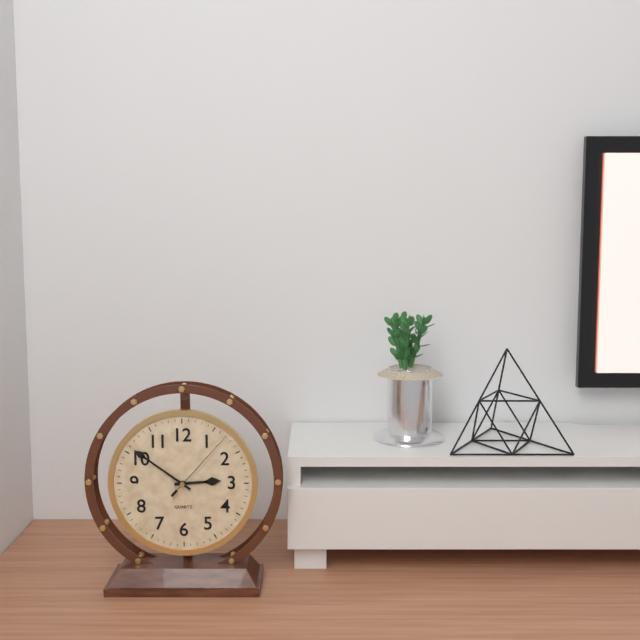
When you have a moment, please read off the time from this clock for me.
2:51:07
